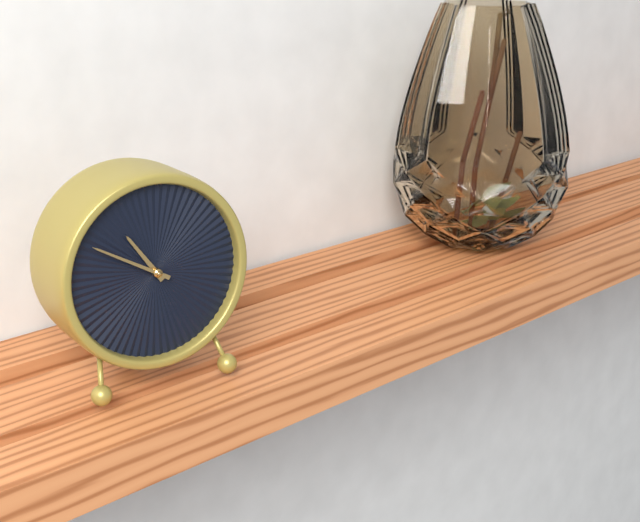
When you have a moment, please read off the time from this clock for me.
10:50
